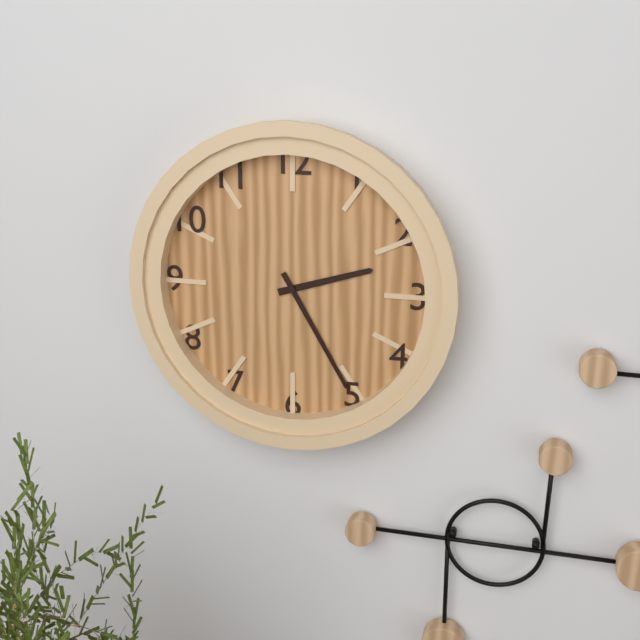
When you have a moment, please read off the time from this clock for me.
2:25
